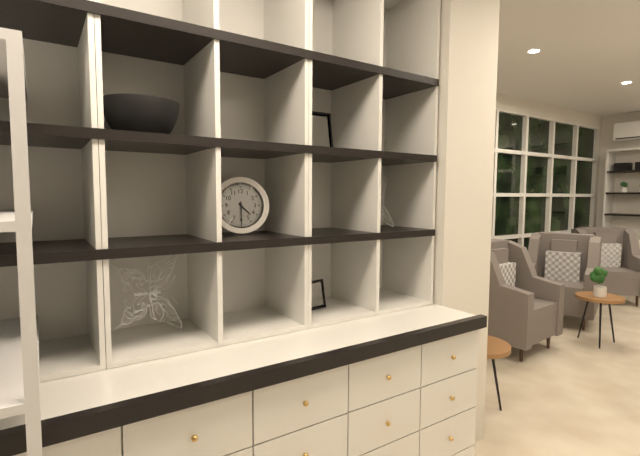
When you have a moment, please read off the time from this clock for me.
4:30
